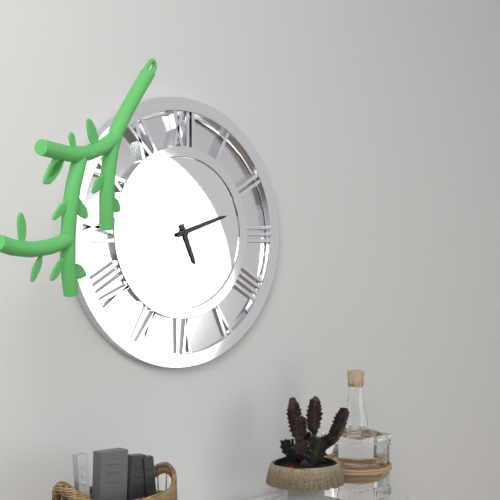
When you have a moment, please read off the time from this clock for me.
5:12
